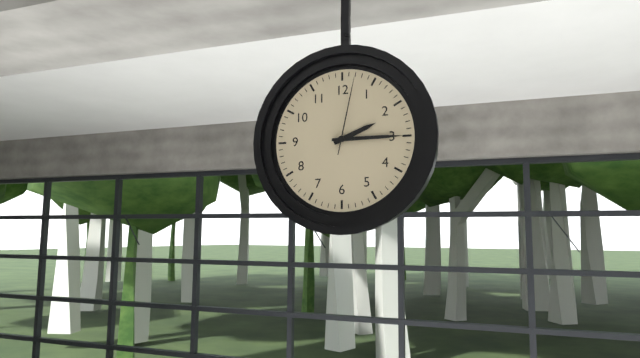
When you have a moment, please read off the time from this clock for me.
2:15:02
